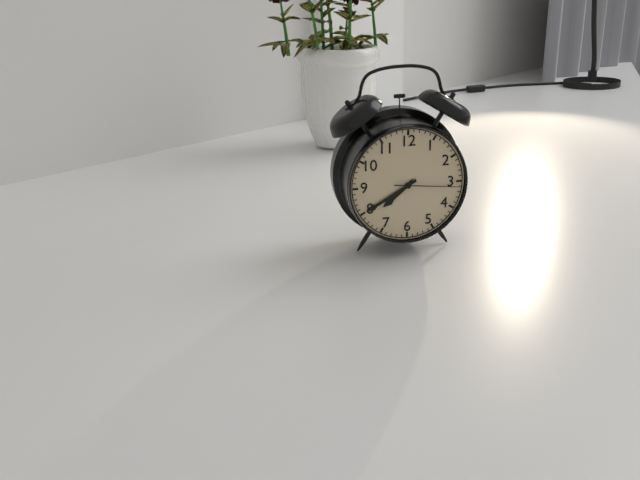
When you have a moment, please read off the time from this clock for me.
7:40:16
